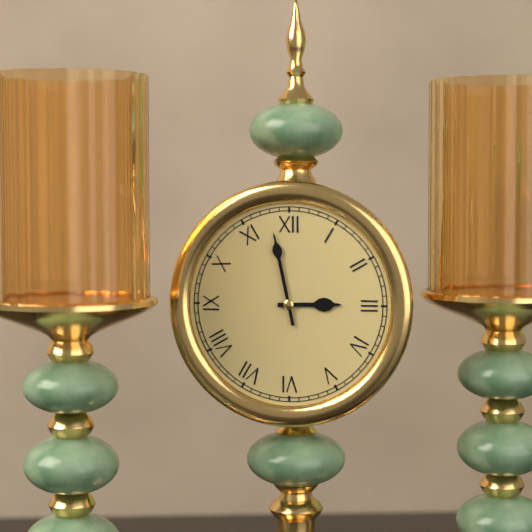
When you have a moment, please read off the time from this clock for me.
2:58
